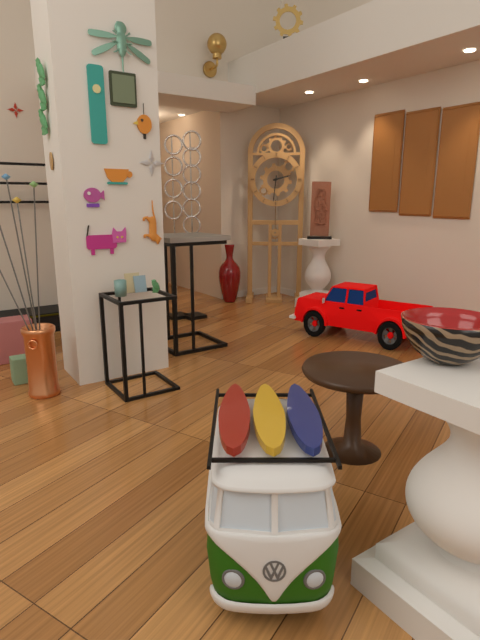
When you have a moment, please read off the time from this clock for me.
2:31
